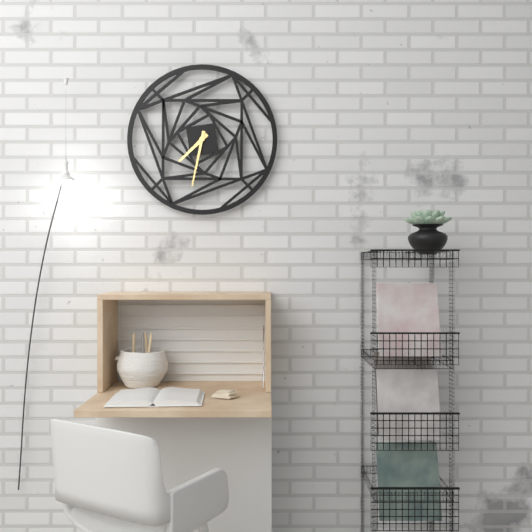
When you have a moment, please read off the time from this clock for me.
7:32
